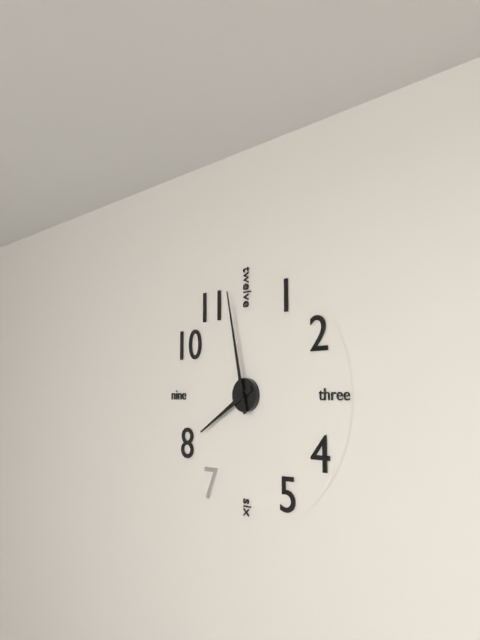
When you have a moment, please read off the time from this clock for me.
7:58
